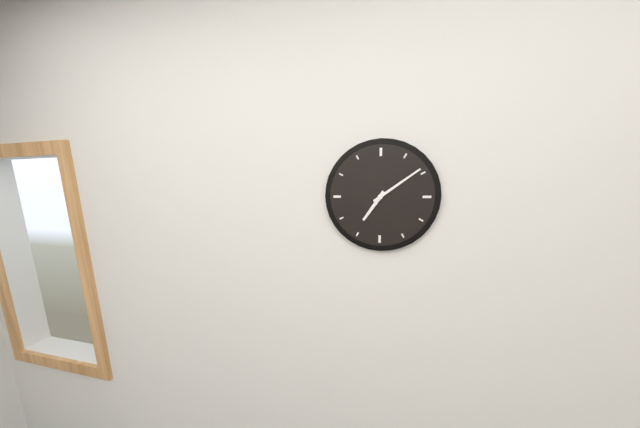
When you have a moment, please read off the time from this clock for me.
7:09
